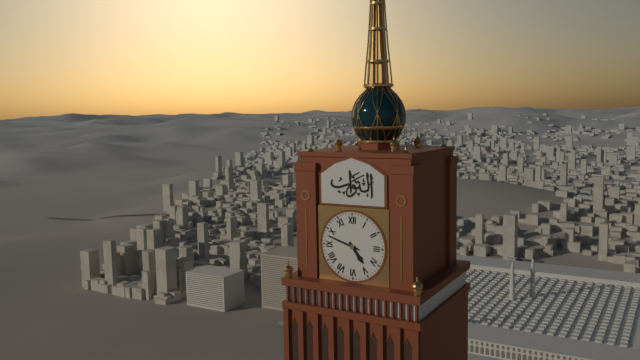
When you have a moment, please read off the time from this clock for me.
4:48
